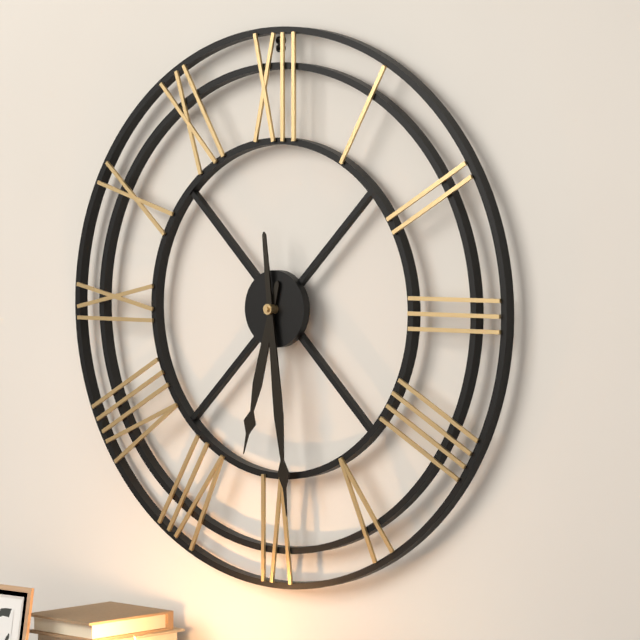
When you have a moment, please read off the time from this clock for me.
6:29
